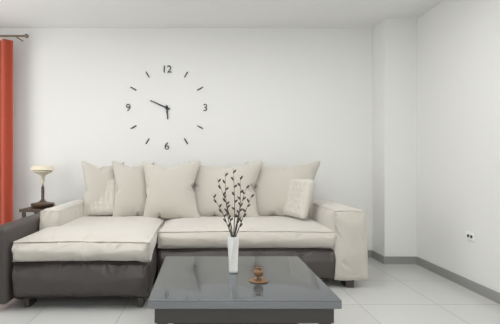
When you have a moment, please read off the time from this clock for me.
5:49
